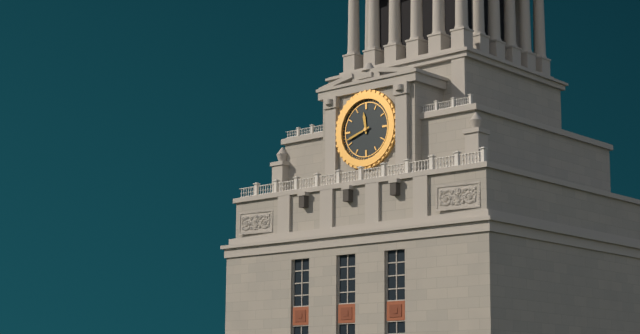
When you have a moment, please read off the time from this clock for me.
11:42
